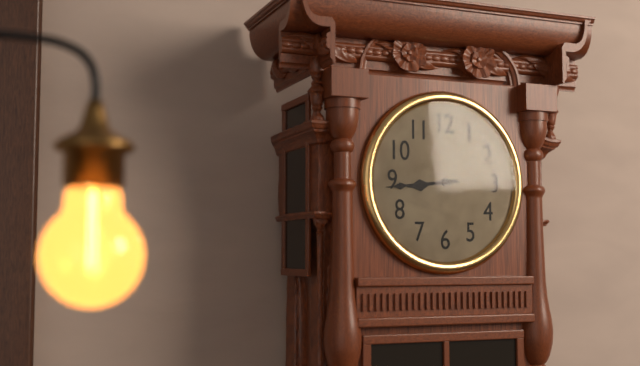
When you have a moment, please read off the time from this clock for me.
8:44
